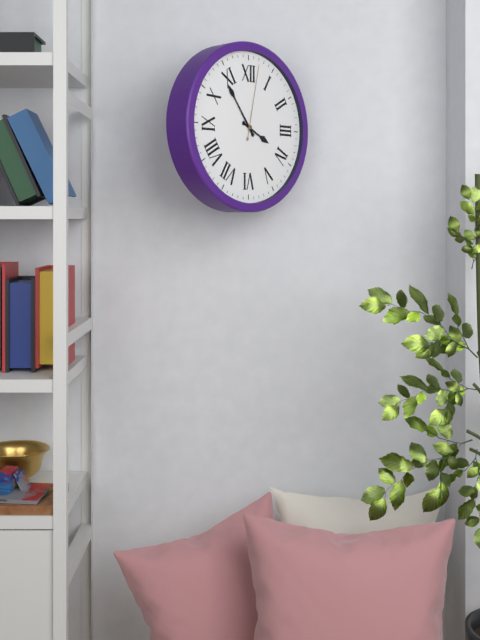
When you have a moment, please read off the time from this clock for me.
3:54:02
